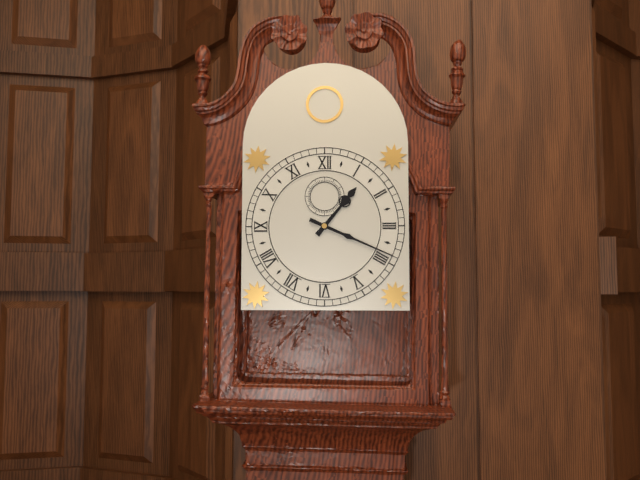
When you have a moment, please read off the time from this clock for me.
1:19
